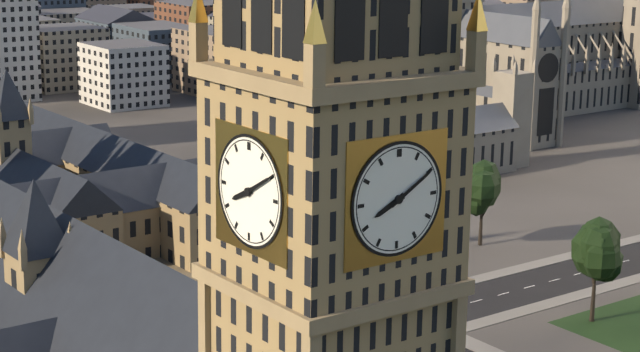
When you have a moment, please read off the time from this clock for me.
8:10
